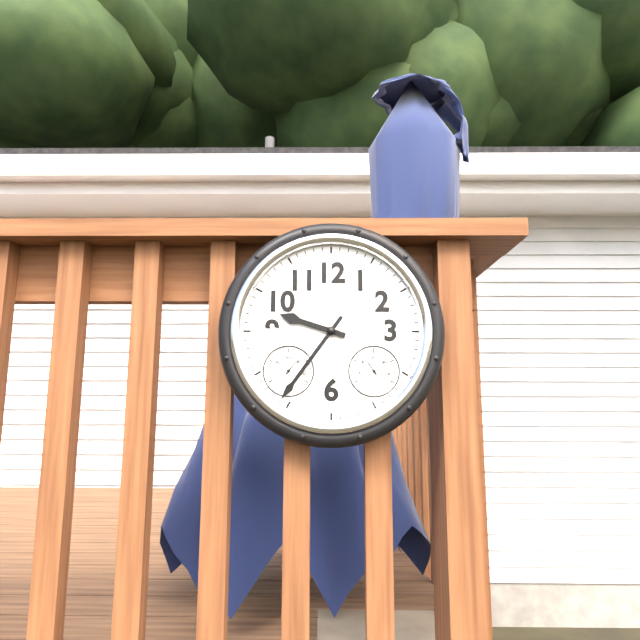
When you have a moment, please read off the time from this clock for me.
9:36
